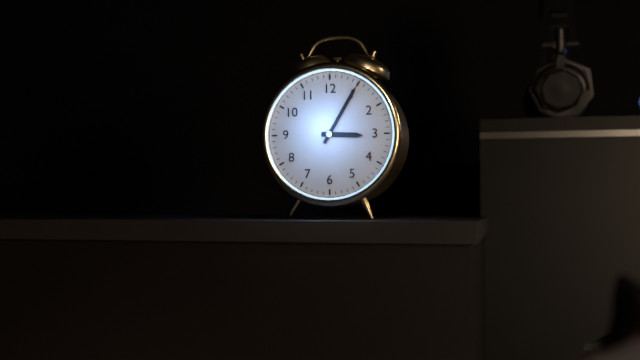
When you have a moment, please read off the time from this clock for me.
3:05
